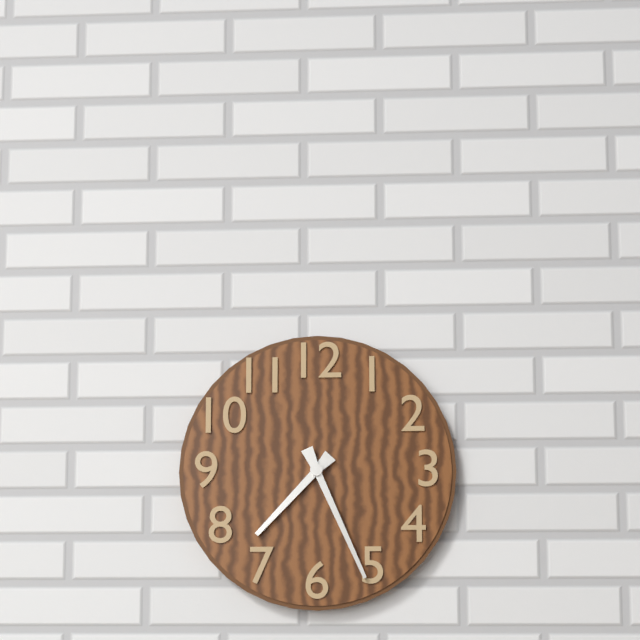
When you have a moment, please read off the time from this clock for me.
7:26
